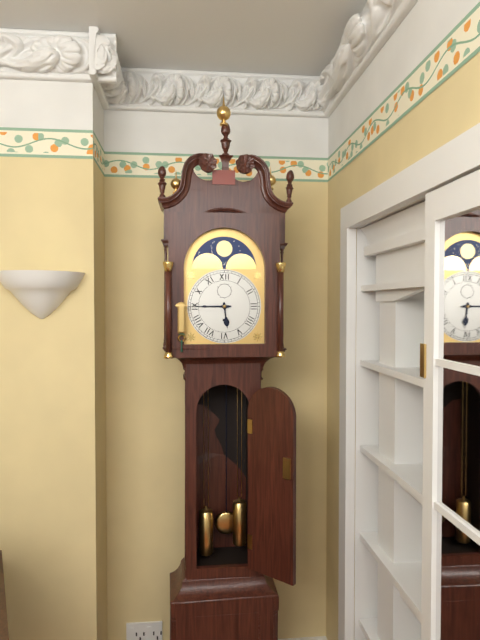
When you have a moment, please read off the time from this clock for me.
5:45
